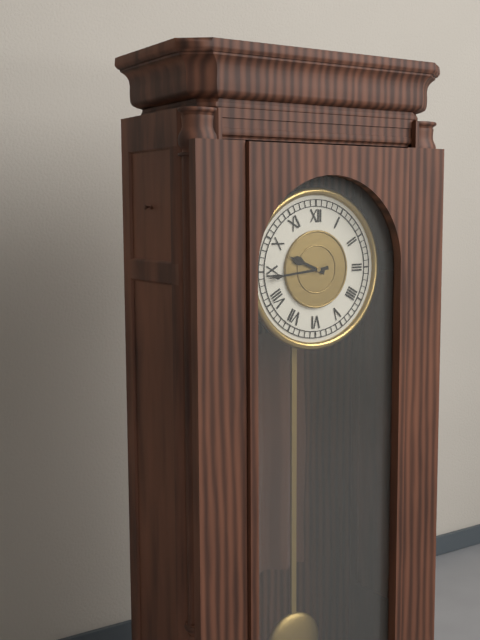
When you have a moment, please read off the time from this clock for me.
9:44
